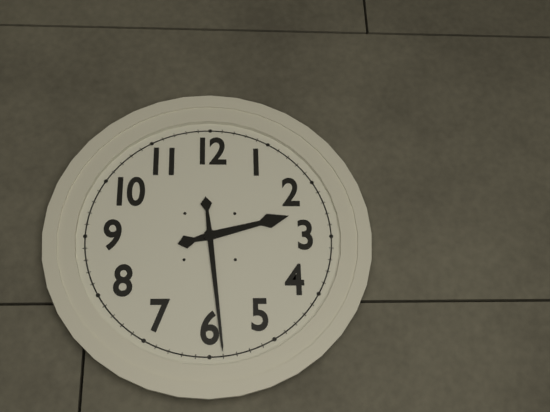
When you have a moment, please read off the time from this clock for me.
2:29
